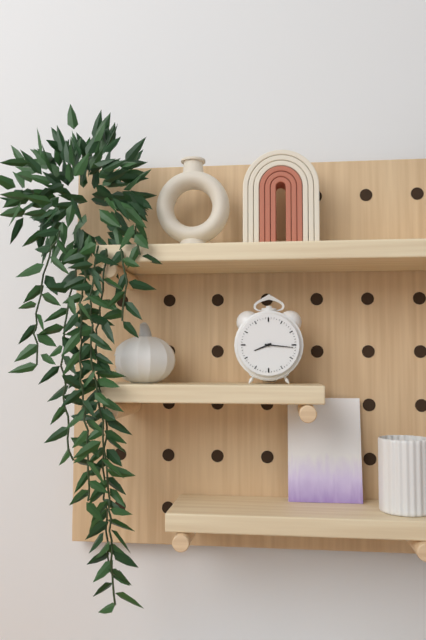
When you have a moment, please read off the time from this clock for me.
8:16
